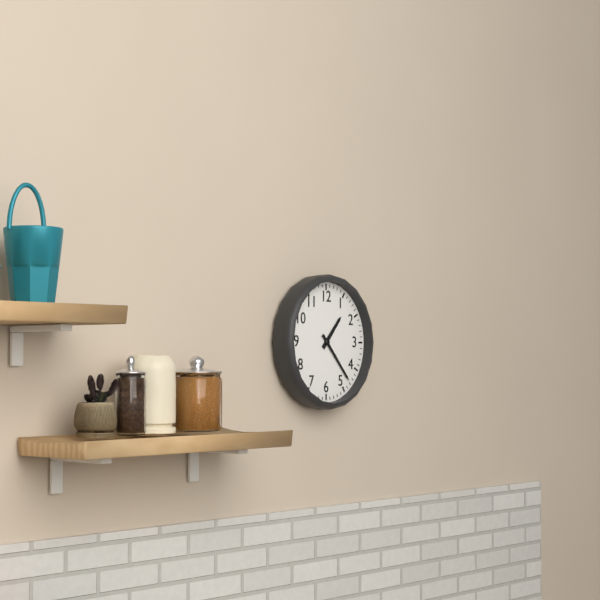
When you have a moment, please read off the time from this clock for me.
1:23
